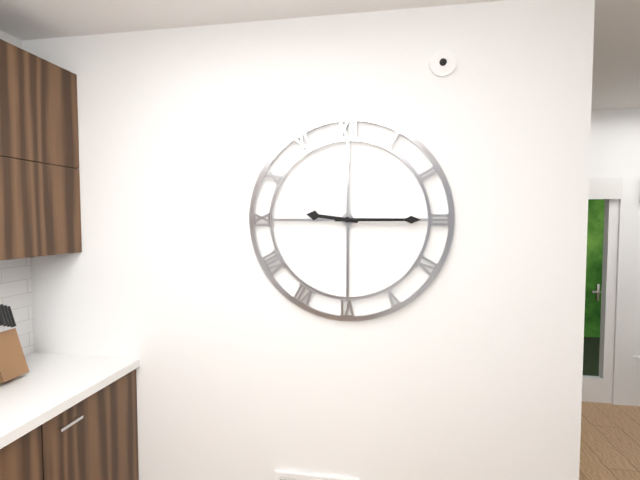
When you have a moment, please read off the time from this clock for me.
9:15
